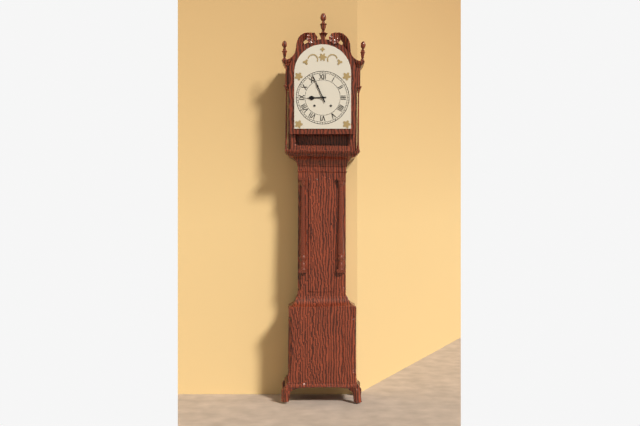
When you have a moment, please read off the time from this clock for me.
8:56
